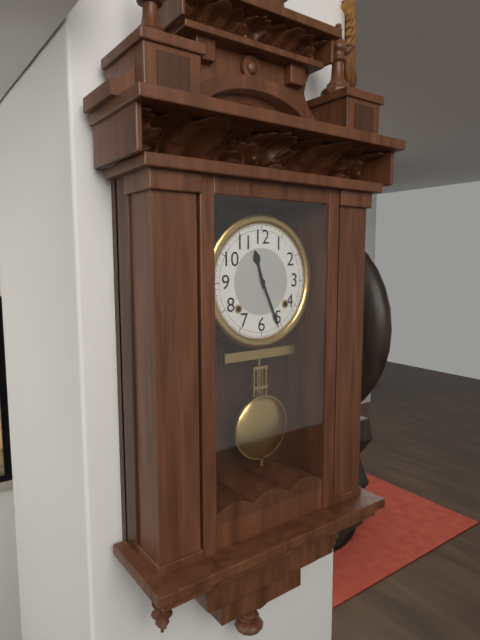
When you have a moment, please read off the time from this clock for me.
11:26
